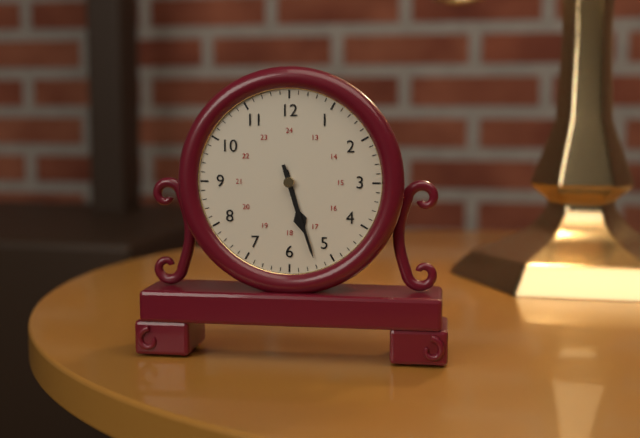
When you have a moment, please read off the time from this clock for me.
5:27
